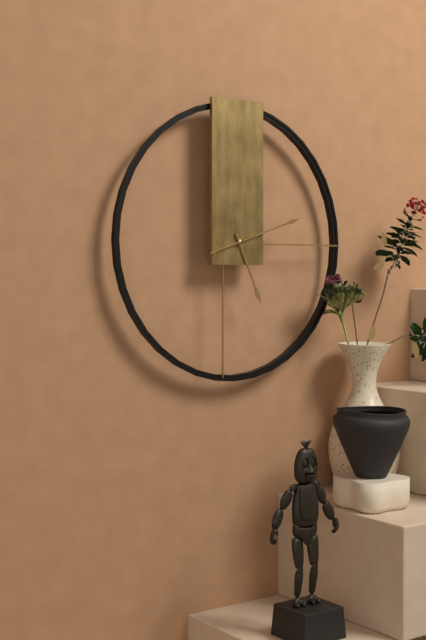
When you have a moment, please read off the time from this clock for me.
5:12
